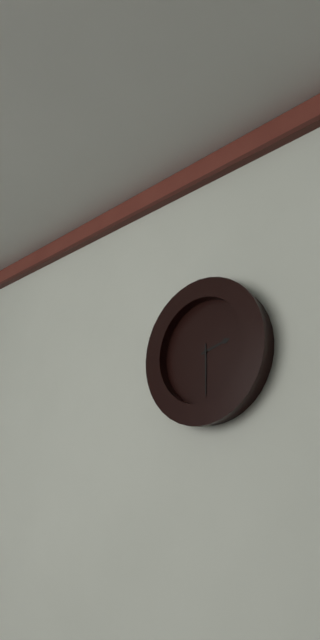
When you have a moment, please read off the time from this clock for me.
2:30
